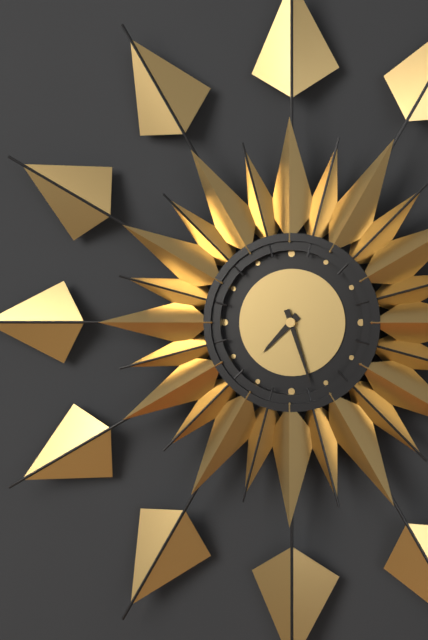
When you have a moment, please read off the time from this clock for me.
7:27
